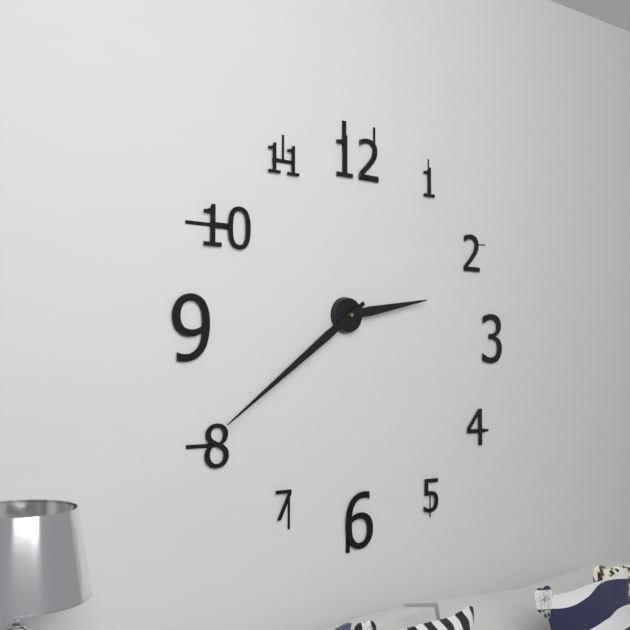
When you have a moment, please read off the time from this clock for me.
2:39
